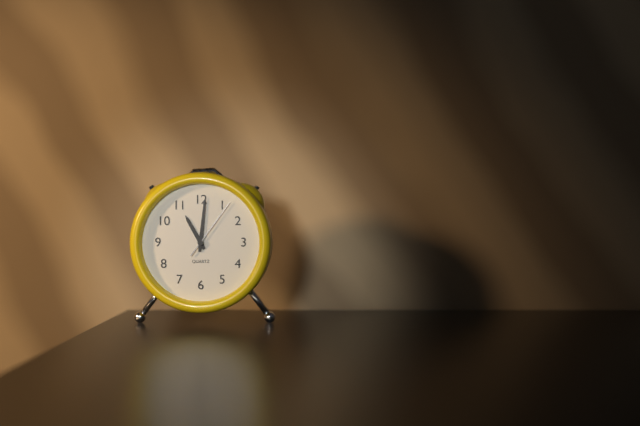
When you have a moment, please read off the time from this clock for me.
11:01:06
